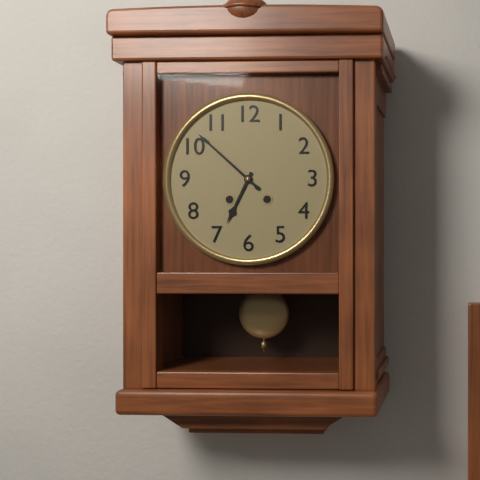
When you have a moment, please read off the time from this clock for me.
6:52
